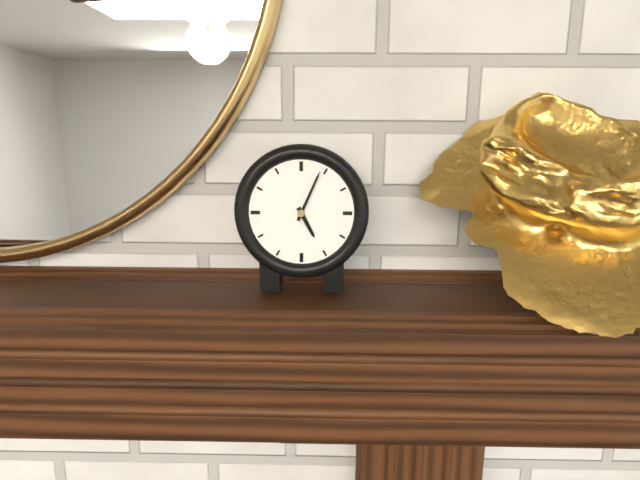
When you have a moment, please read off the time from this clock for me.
5:04
